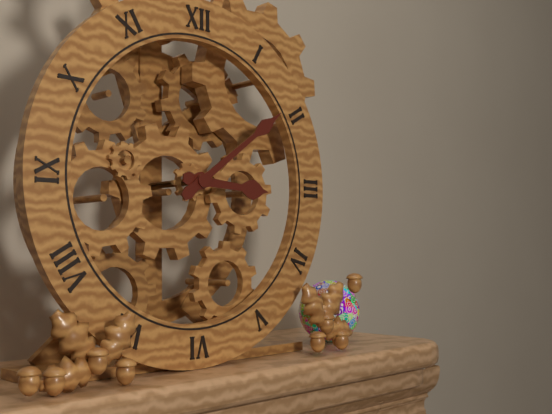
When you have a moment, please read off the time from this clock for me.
3:09
